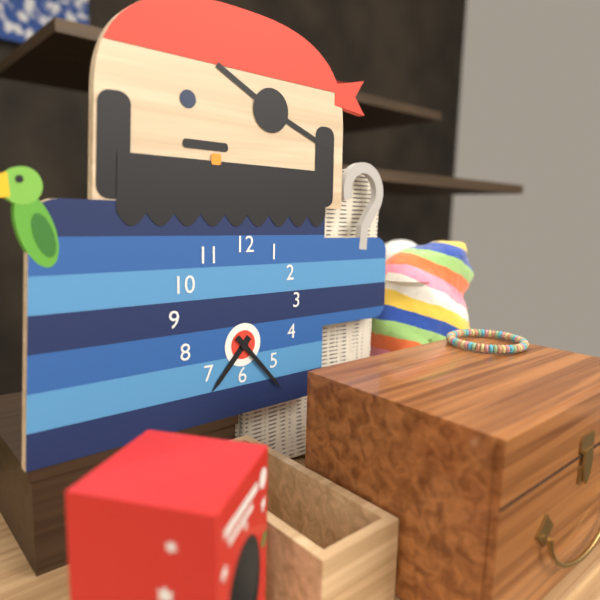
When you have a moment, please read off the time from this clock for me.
7:23
